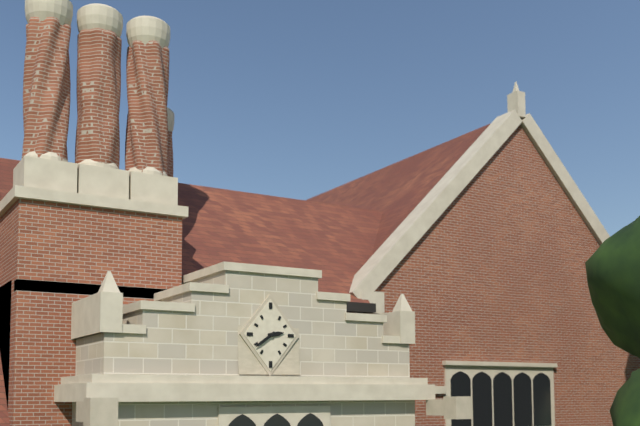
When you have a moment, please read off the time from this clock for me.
2:39
